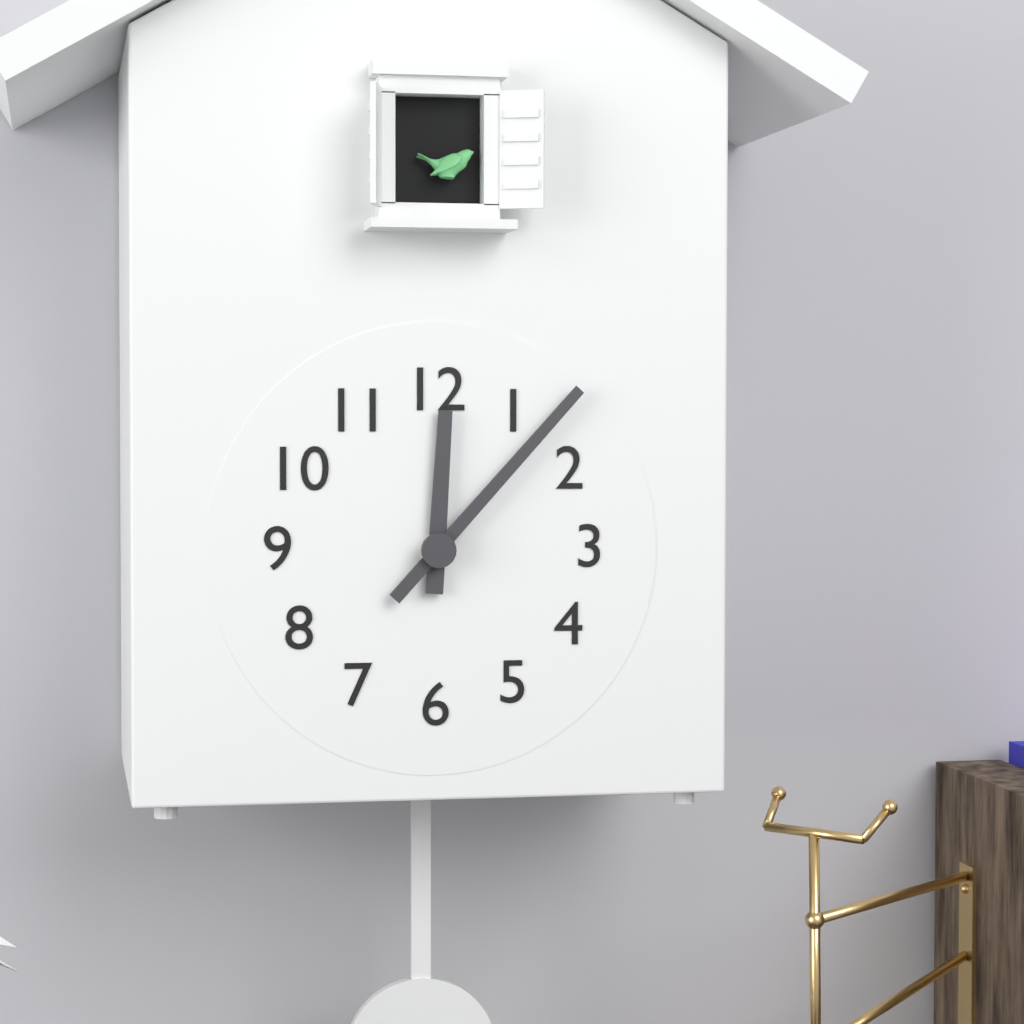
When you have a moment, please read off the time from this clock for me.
12:07
